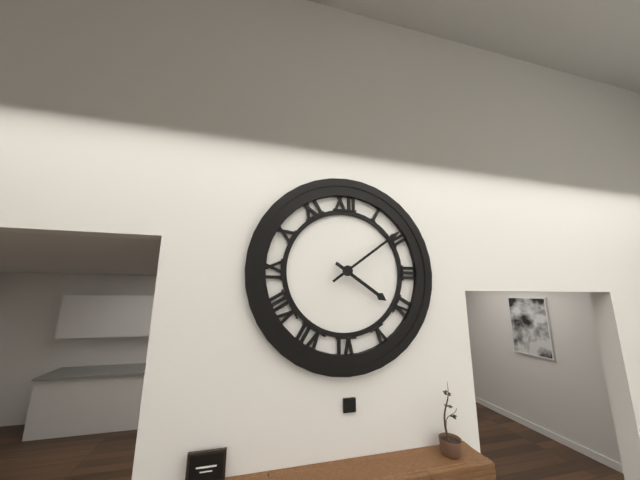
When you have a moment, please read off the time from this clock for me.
4:09
